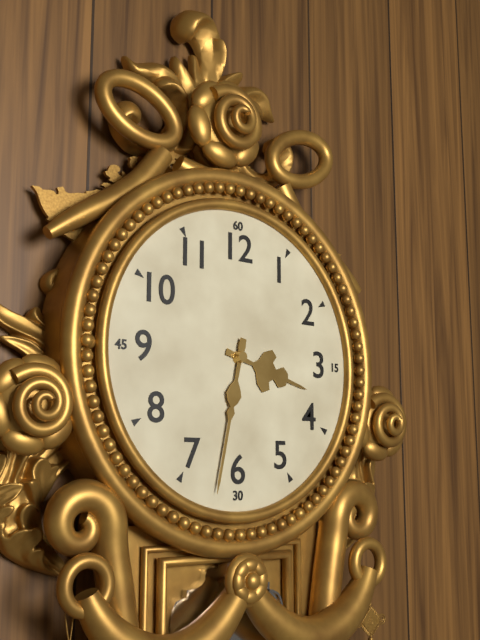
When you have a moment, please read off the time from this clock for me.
3:32
